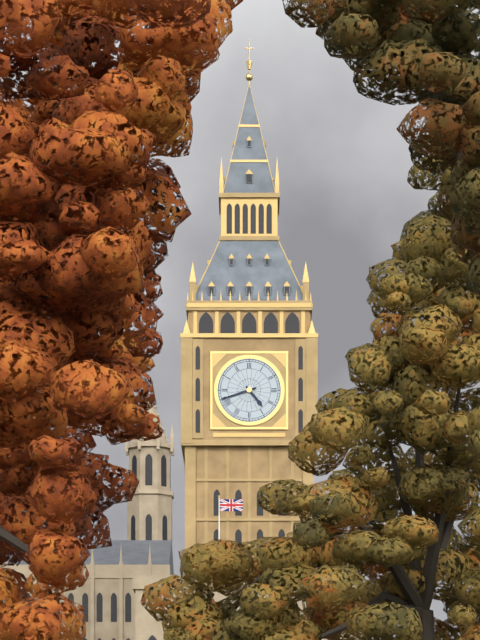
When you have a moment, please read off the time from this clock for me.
4:42
